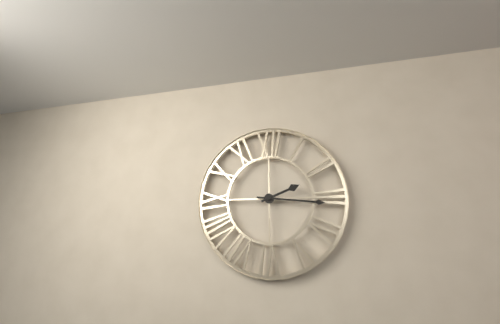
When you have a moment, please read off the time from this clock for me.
2:16
